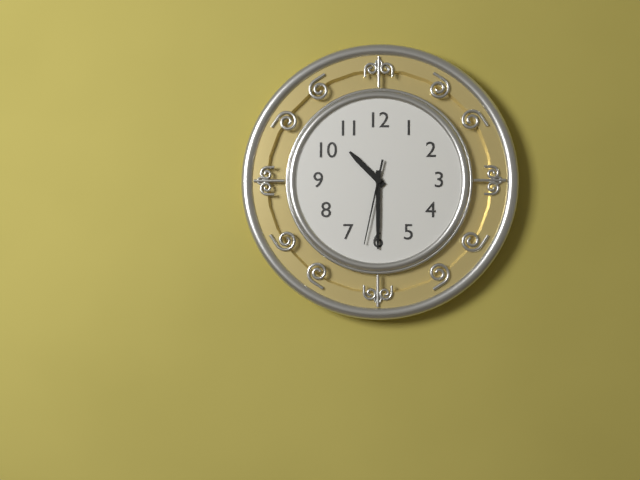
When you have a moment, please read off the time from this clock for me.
10:30:32
